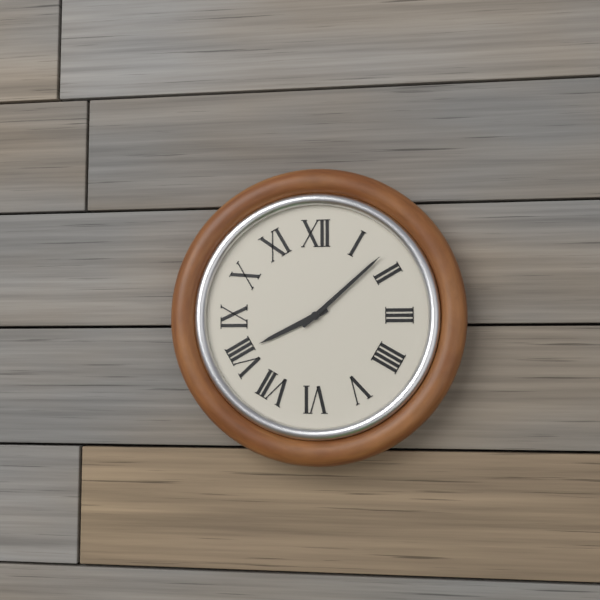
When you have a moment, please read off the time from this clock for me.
8:08
